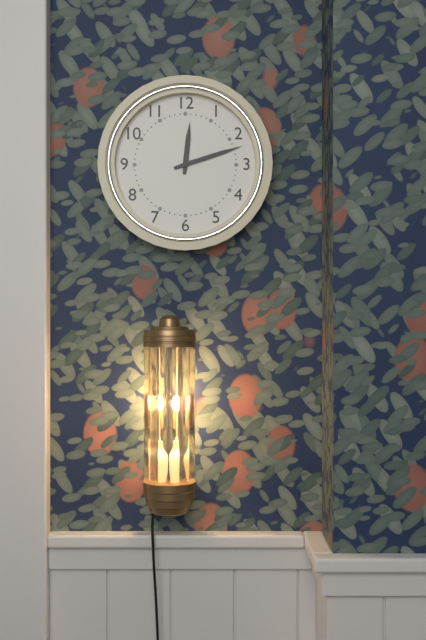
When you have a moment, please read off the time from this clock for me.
12:12
